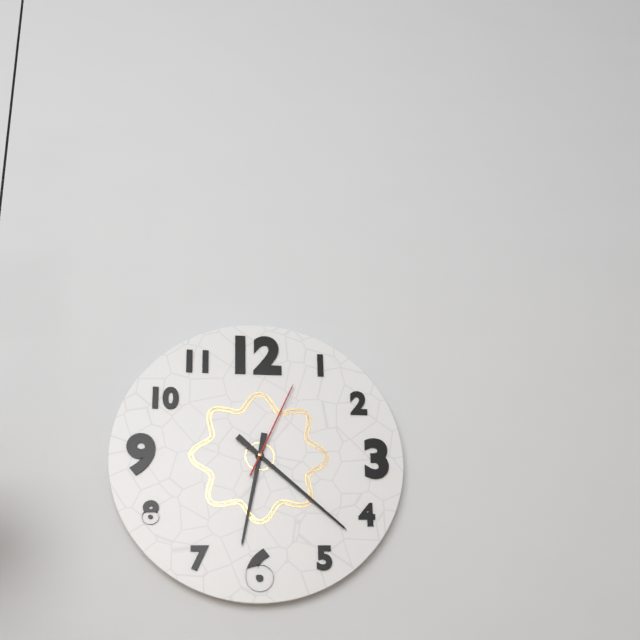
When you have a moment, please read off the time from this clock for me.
6:22:04
